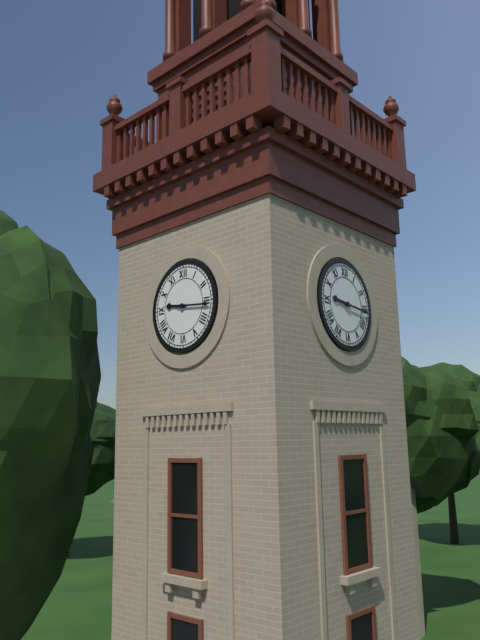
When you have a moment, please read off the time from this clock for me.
9:16
